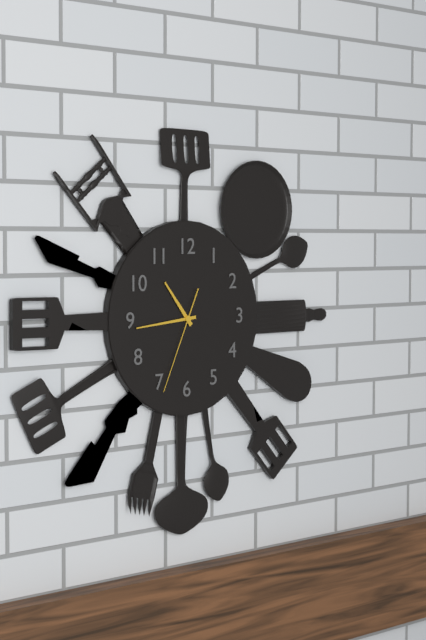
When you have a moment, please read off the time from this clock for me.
10:44:34
